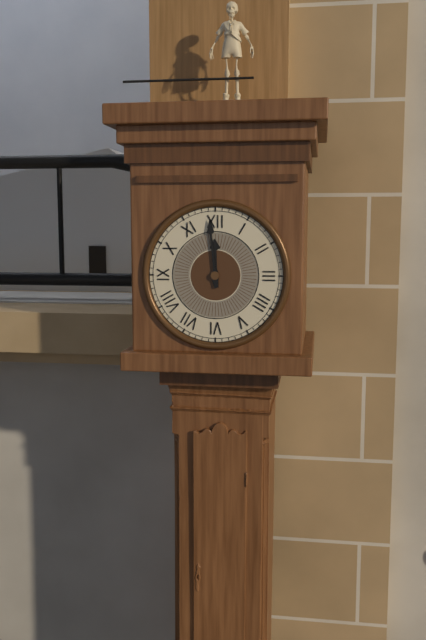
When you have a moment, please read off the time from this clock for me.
11:59
